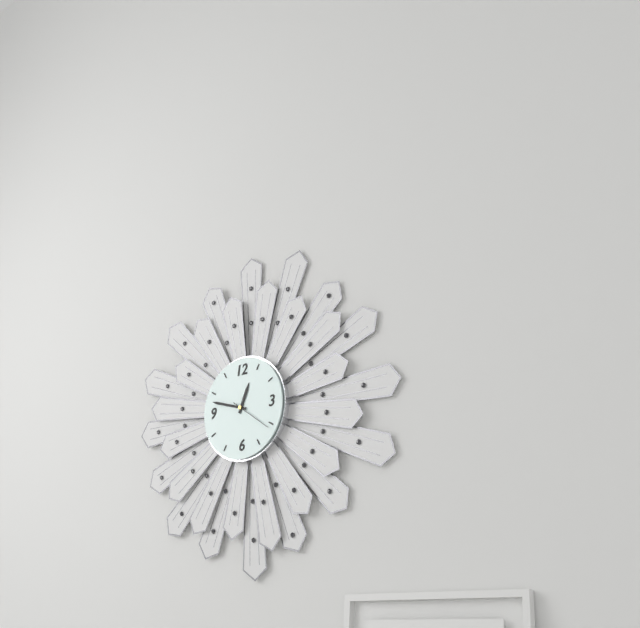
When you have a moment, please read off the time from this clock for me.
12:48
